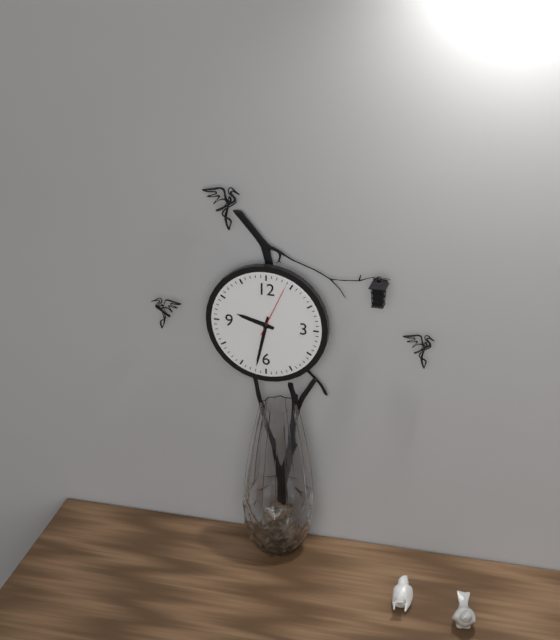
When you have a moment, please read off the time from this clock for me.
9:32:04
